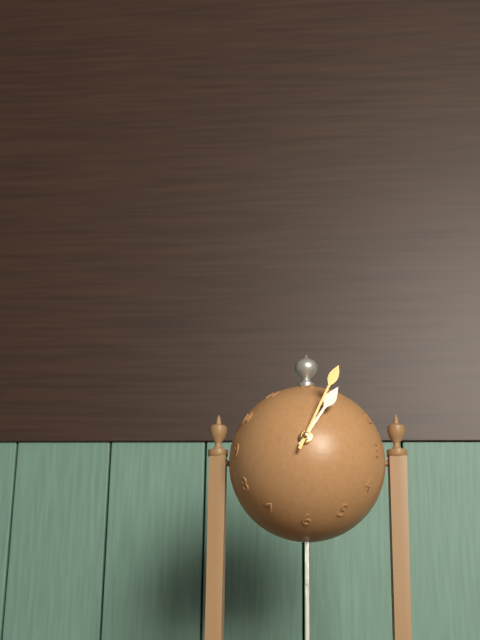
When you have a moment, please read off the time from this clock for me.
1:04
